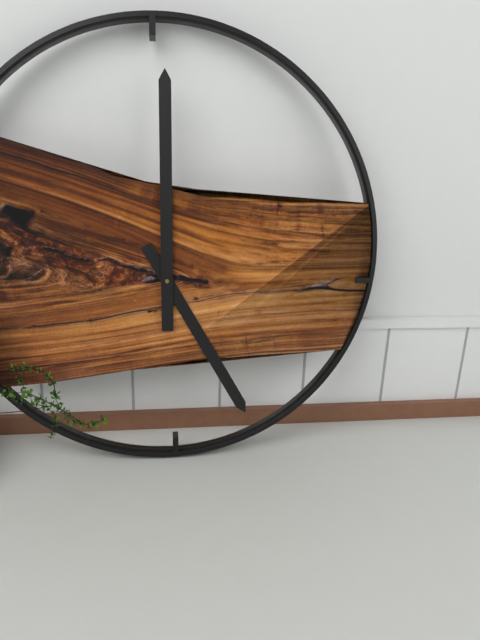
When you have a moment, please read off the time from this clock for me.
5:00
